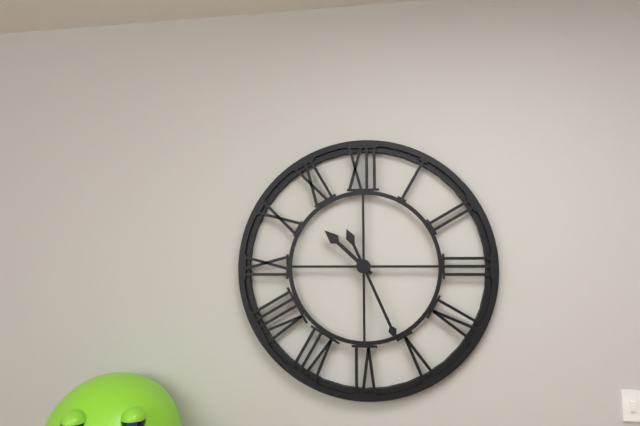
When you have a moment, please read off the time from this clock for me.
10:26
